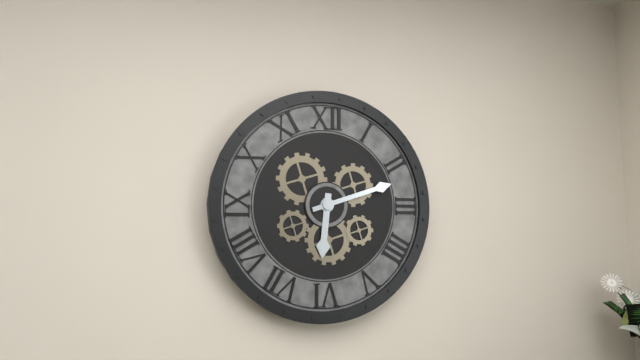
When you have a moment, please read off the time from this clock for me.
6:12
